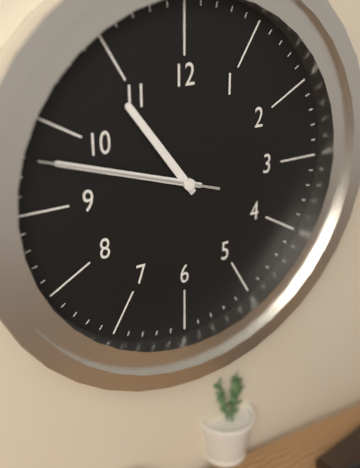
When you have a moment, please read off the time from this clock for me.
10:48:48
